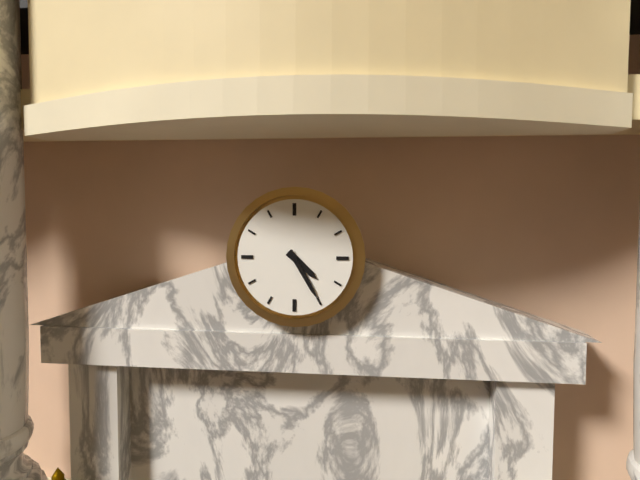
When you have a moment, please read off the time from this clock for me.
4:25
